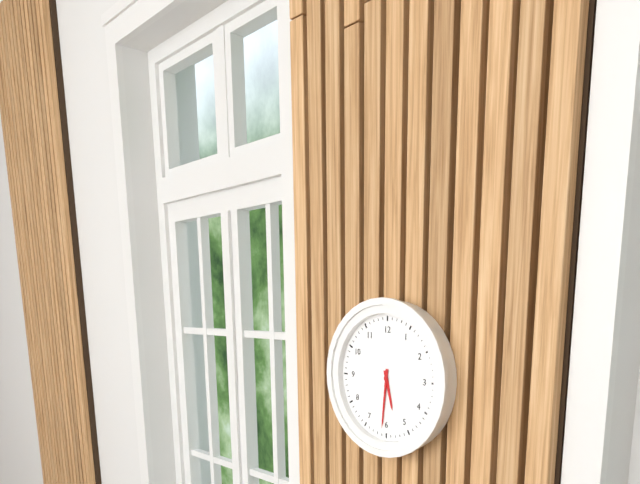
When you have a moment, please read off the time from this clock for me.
5:31
